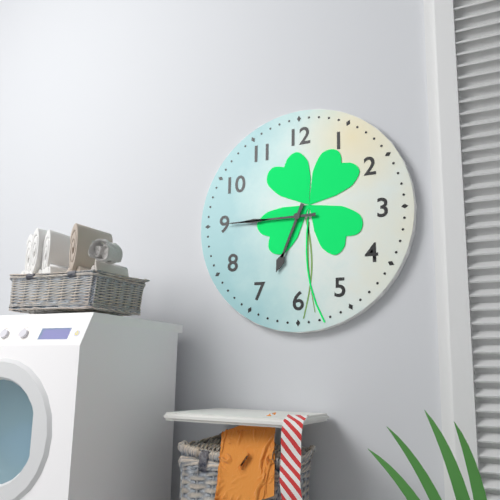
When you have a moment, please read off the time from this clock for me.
6:45
